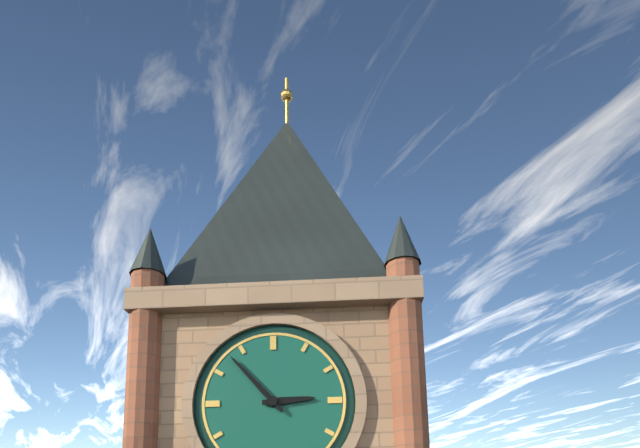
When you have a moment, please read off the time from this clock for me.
2:53
